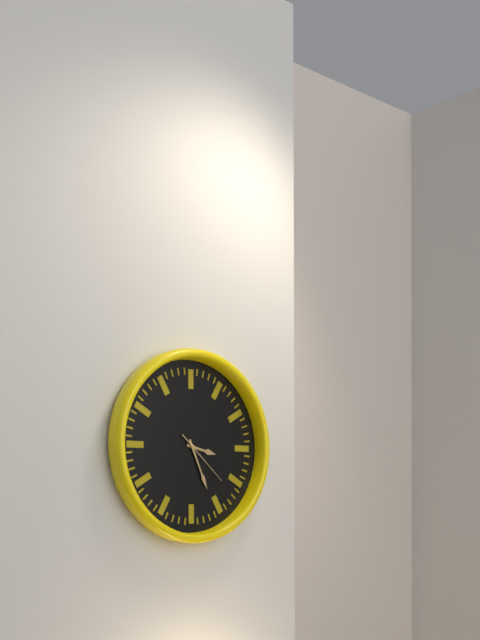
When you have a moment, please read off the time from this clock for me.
3:26:22
